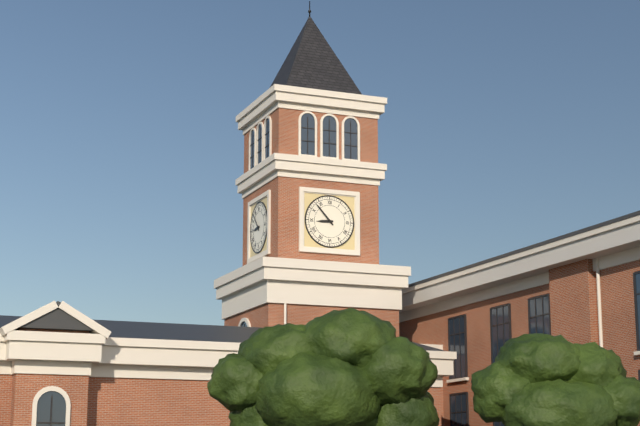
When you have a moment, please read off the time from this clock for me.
8:53
